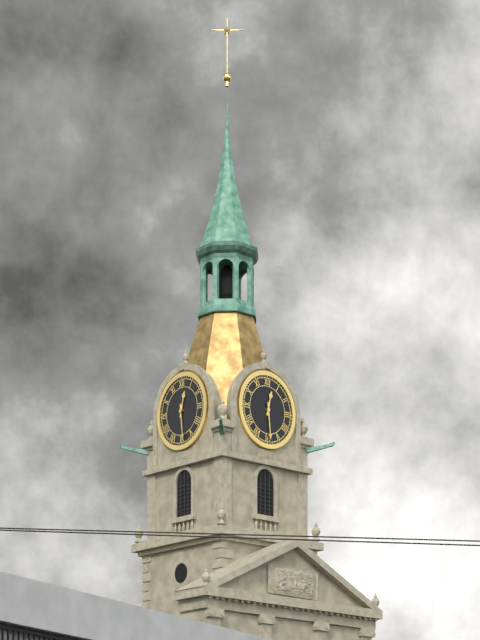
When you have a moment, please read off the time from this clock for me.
12:29
